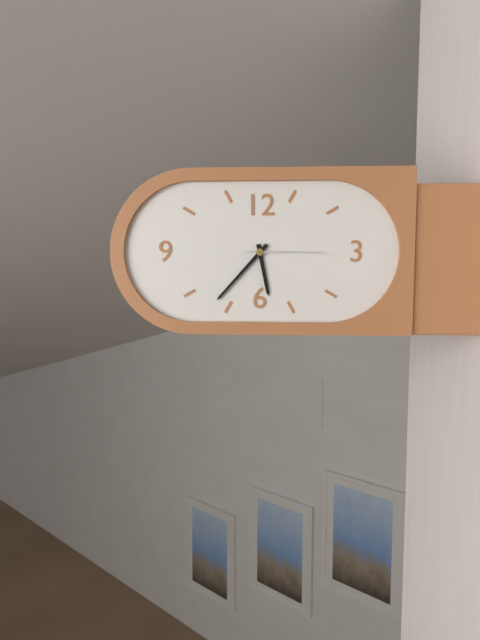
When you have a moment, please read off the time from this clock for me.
5:37:15
